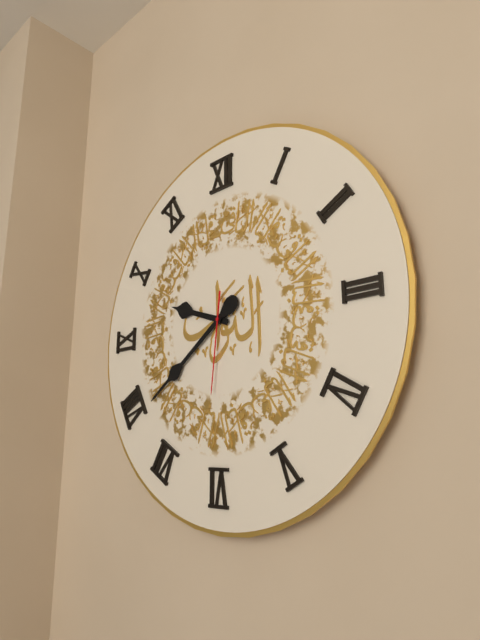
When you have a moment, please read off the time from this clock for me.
9:39:31
